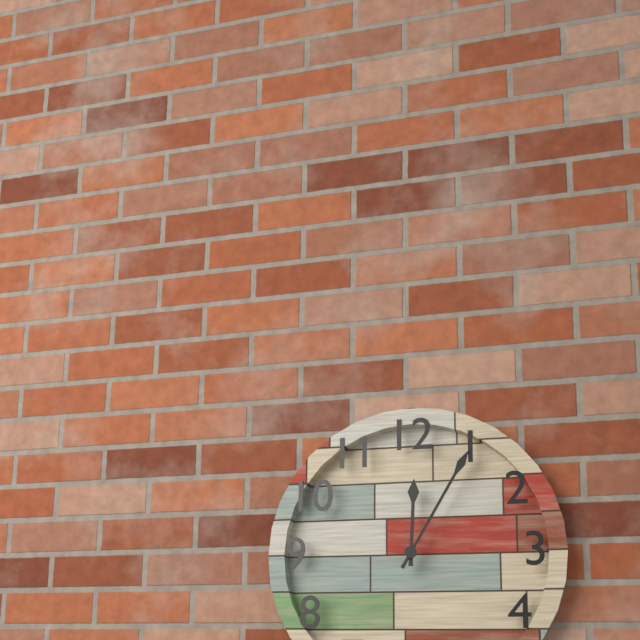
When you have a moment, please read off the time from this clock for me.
12:05
